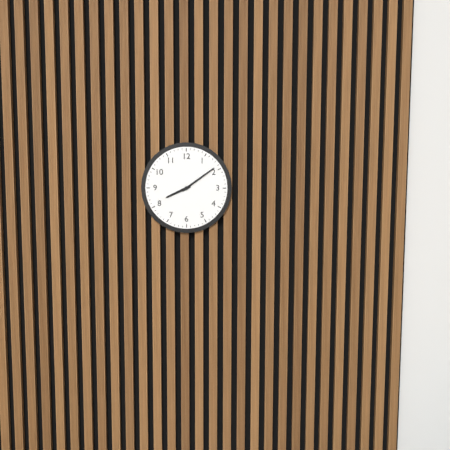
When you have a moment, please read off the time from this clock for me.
8:09
